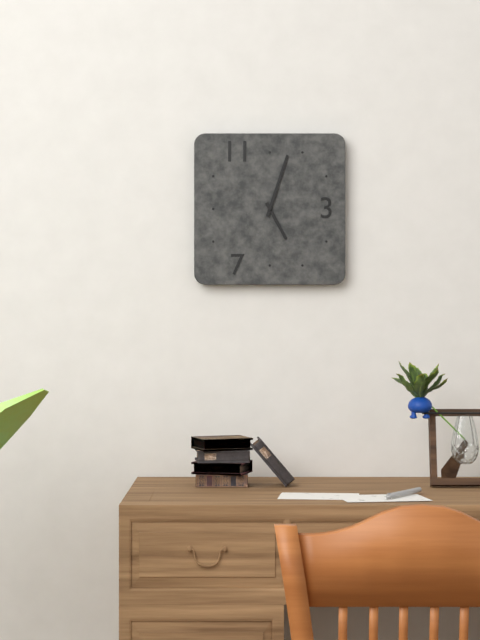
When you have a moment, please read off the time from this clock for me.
5:03
